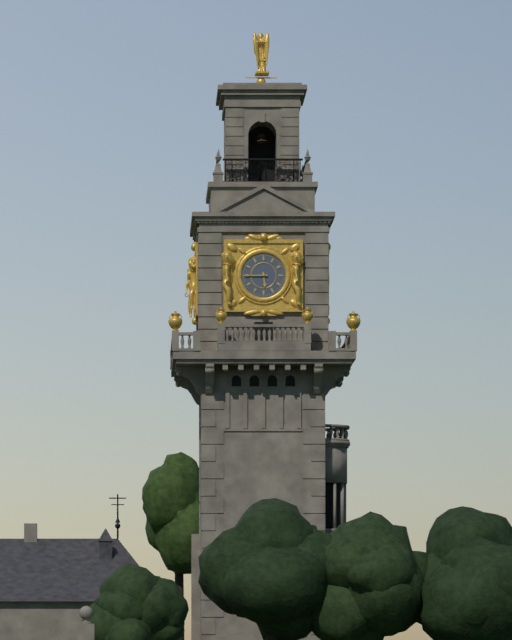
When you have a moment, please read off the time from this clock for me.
5:45
